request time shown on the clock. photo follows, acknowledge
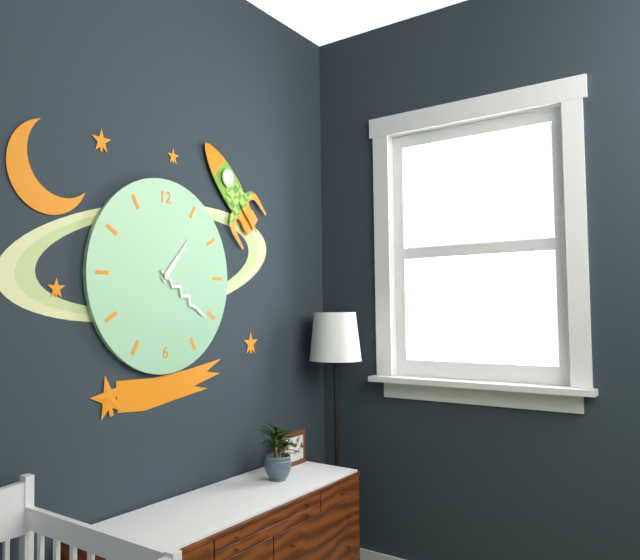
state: 1:21
